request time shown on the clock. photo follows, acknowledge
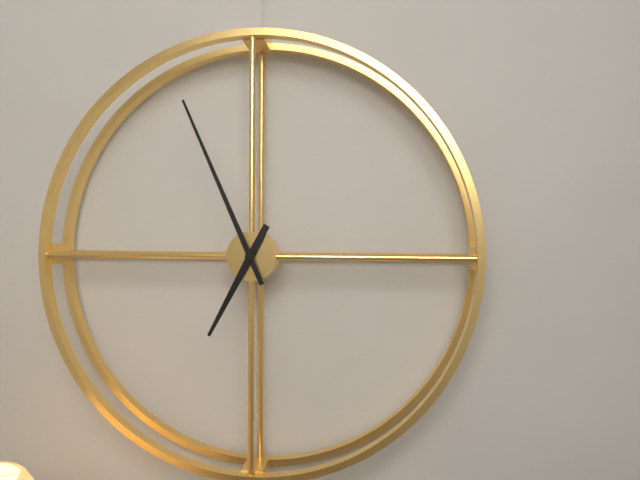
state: 6:56
